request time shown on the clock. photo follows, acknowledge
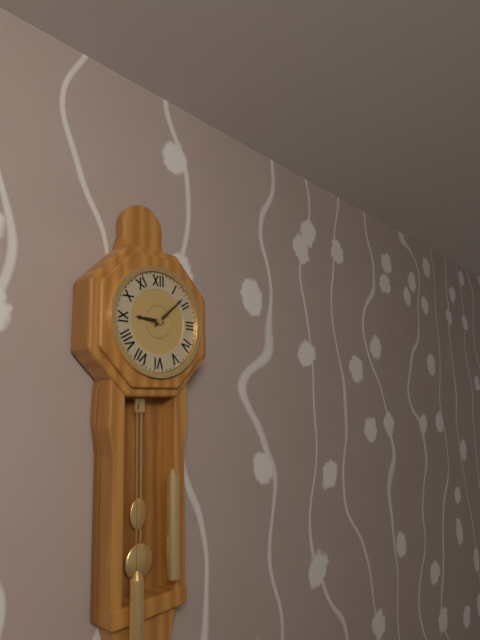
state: 9:08
